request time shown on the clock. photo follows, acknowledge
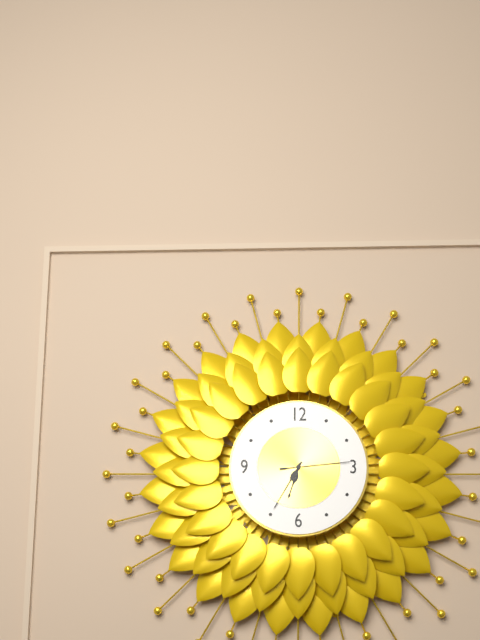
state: 6:35:14
